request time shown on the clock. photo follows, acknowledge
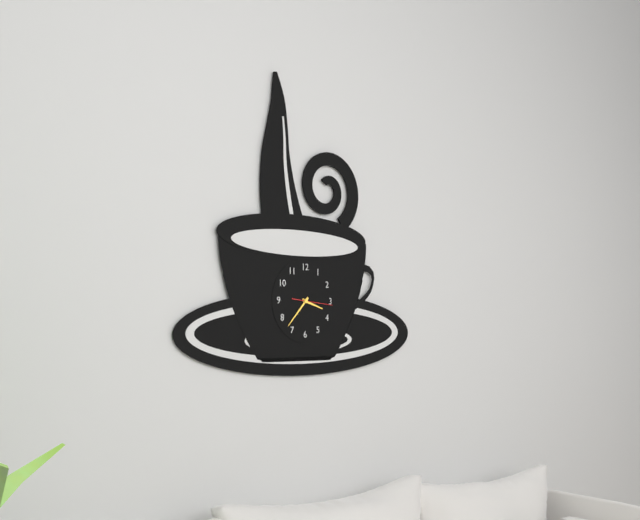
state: 3:37
